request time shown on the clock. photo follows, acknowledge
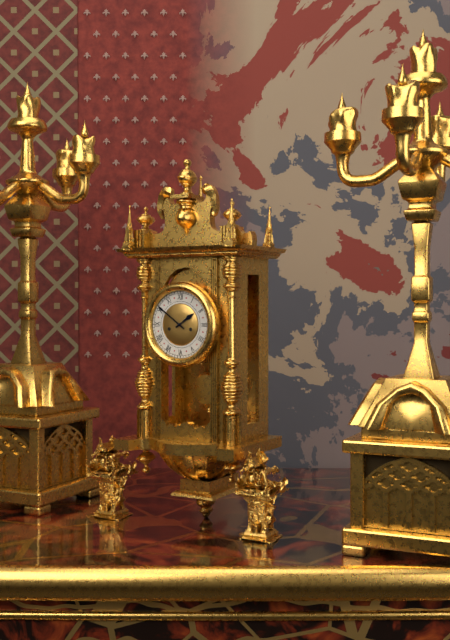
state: 1:51
